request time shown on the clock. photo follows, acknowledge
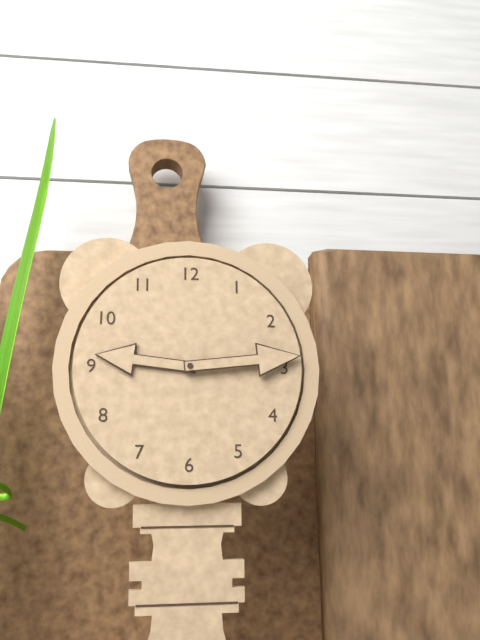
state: 9:14
